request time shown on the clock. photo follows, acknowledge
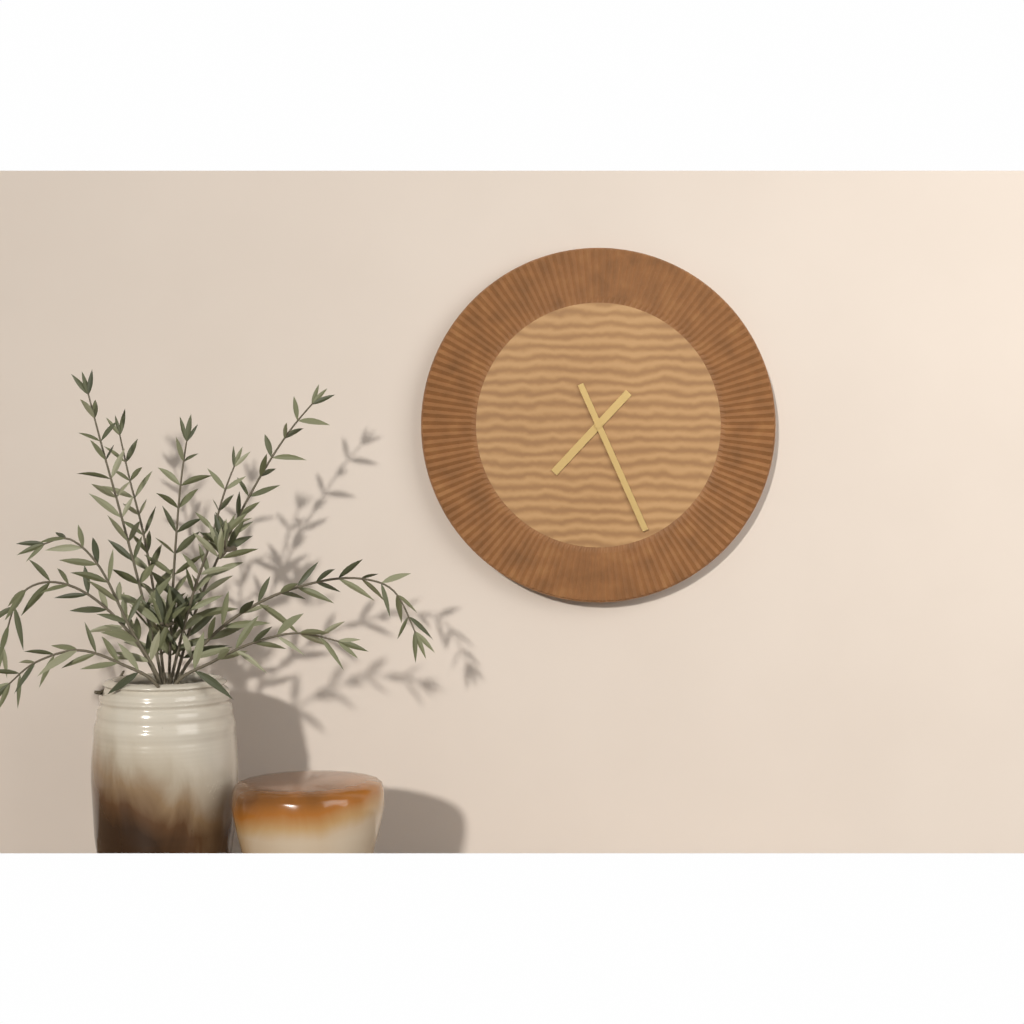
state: 7:26
